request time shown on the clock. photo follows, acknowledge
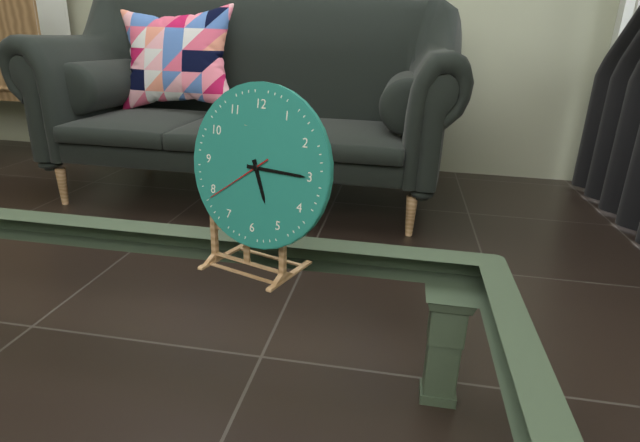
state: 5:15:39
